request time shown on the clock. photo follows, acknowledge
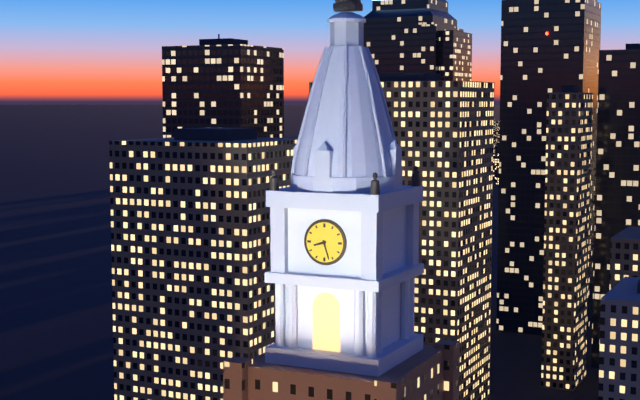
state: 8:27
